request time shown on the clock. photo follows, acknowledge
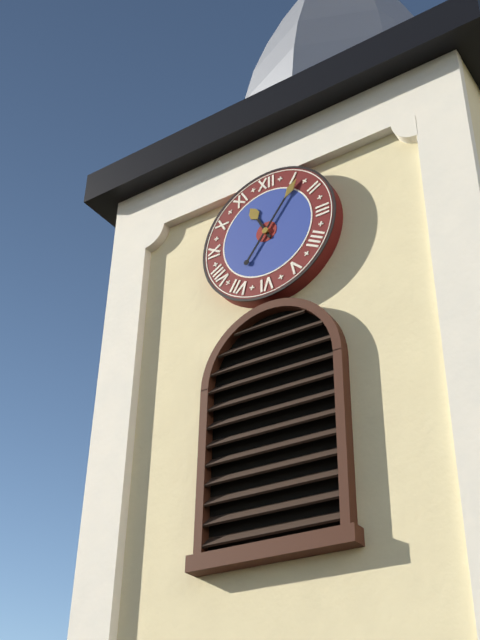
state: 11:06
